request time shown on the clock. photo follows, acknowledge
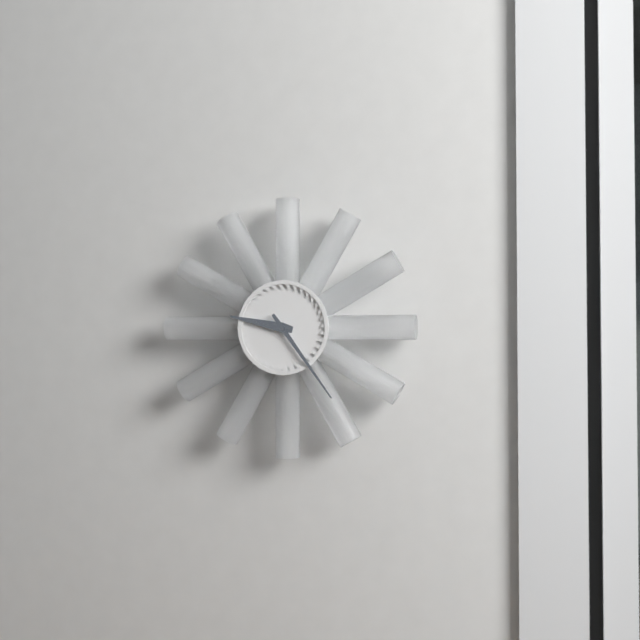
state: 9:24
